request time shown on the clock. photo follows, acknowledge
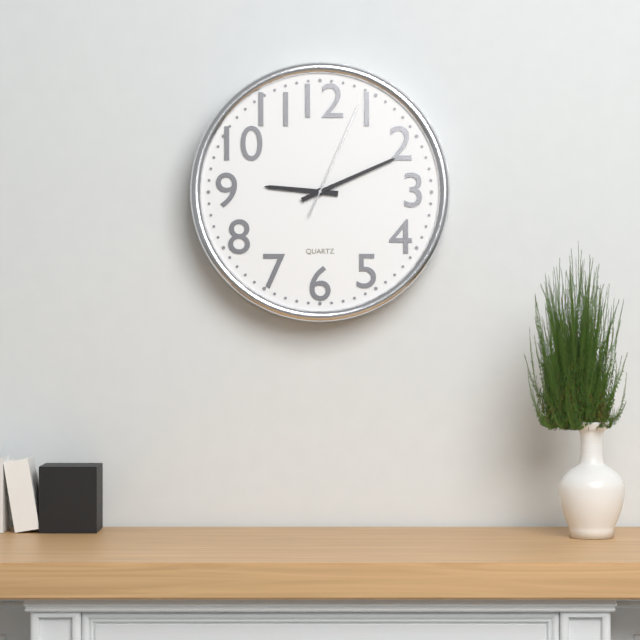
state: 9:11:04
